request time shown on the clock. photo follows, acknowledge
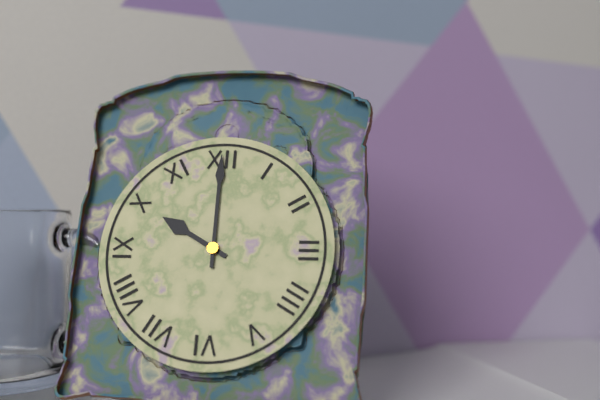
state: 10:00
